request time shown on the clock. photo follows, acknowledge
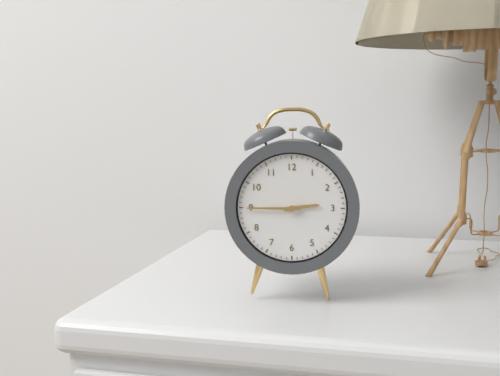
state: 2:45
